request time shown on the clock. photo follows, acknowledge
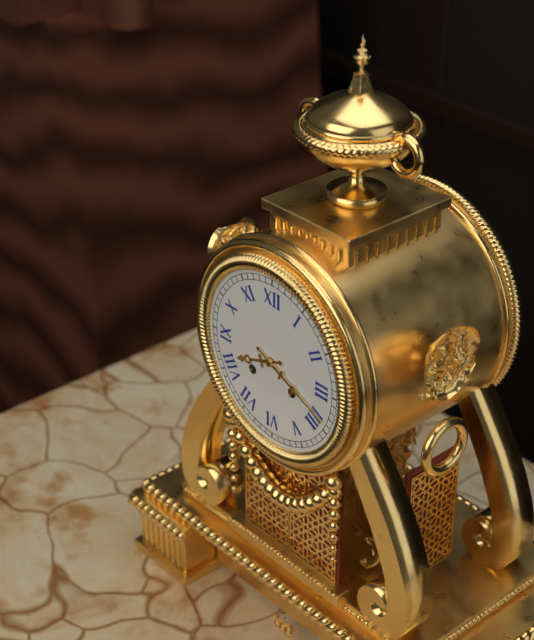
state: 8:19
